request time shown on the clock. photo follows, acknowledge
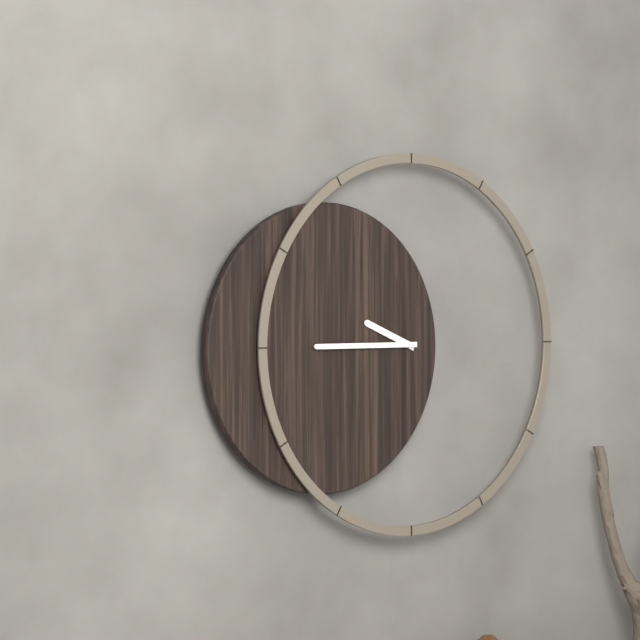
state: 9:45
